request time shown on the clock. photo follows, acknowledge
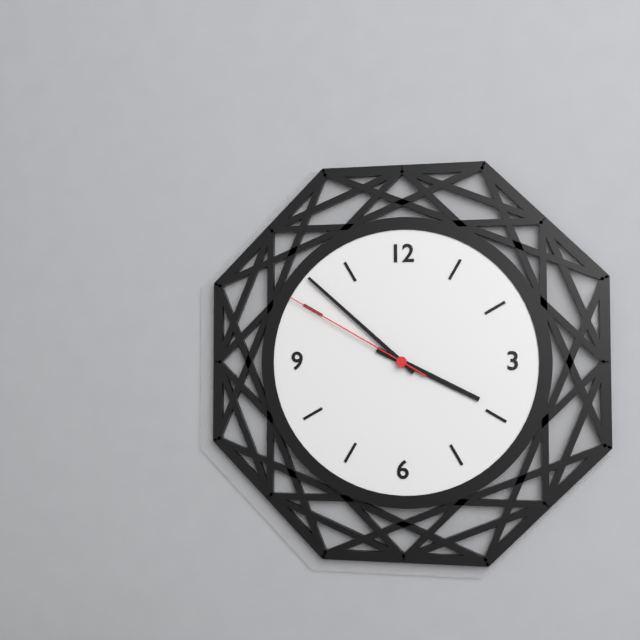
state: 3:52:50
